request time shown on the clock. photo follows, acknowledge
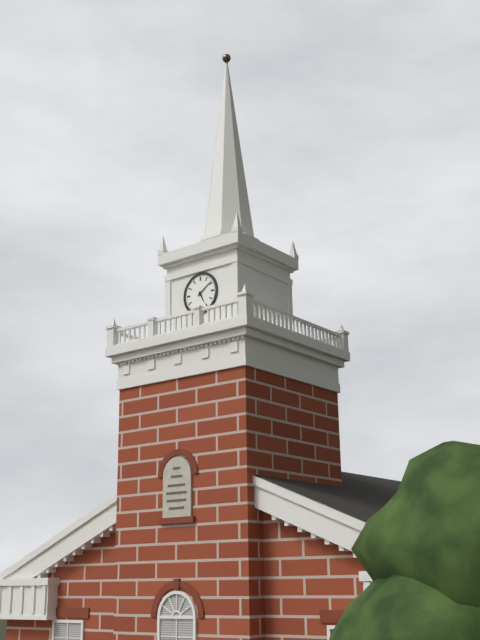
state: 5:09
